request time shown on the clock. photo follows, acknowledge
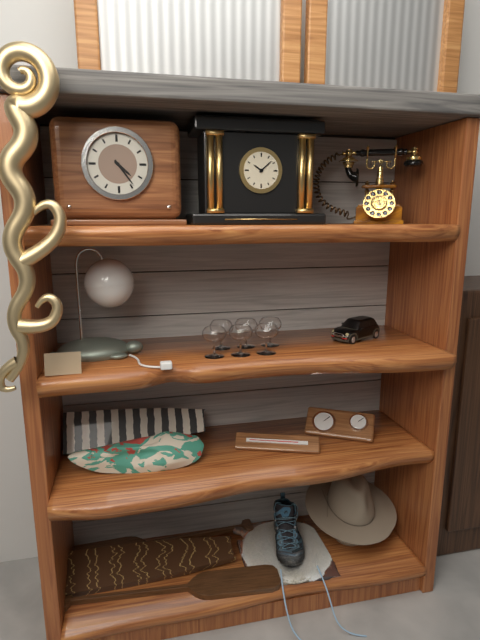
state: 4:24
